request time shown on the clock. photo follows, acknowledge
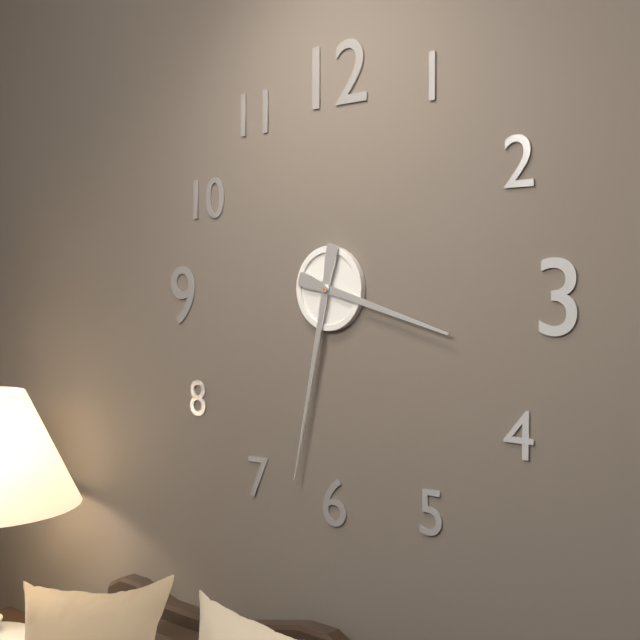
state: 3:32
